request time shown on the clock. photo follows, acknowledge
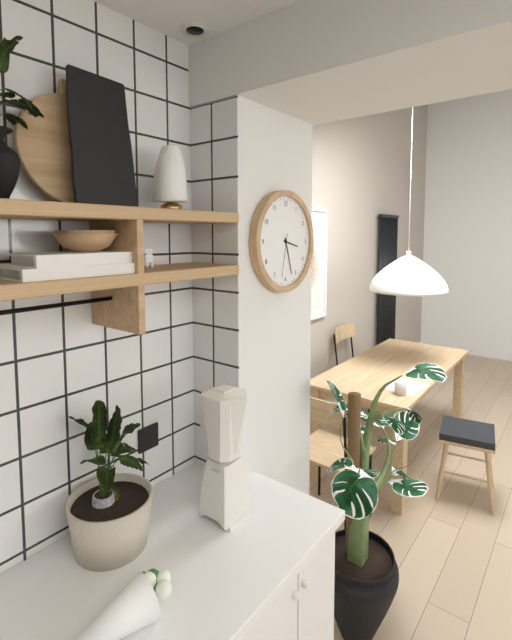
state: 3:27
